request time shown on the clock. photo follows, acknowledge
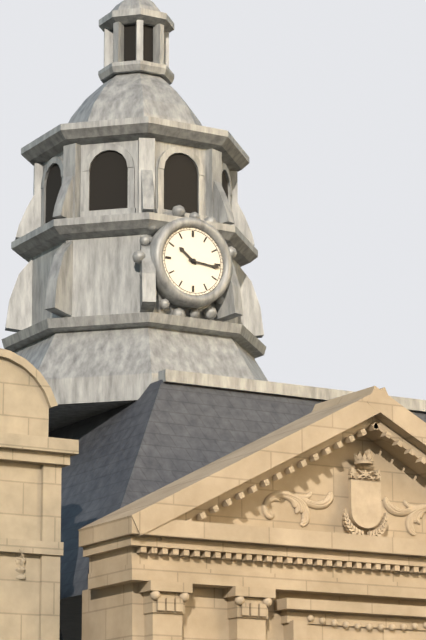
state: 10:16
